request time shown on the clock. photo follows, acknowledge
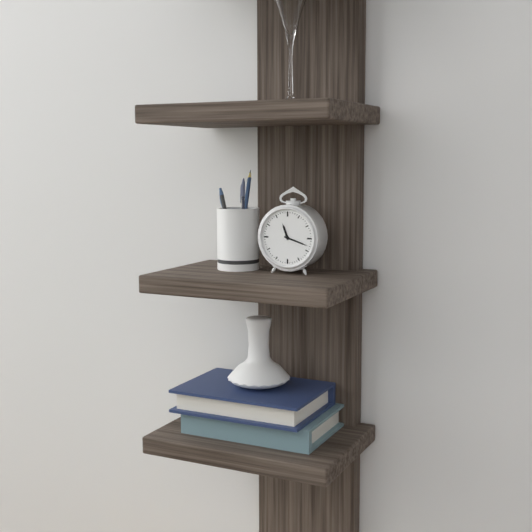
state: 11:18
